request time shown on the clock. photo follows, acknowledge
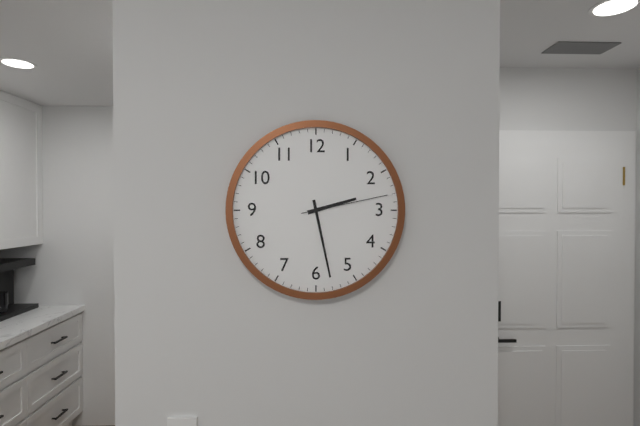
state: 2:28:13
